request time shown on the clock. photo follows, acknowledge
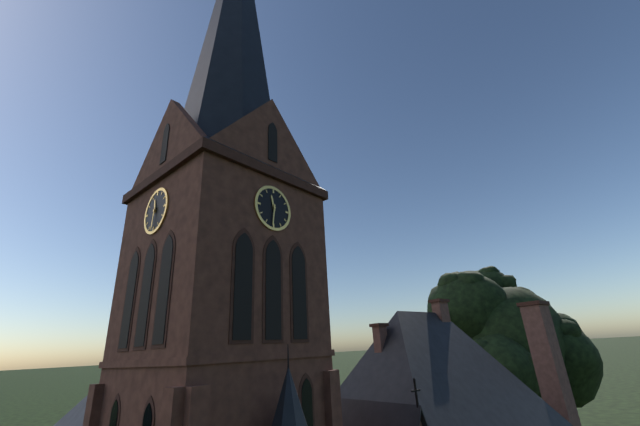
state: 11:31
